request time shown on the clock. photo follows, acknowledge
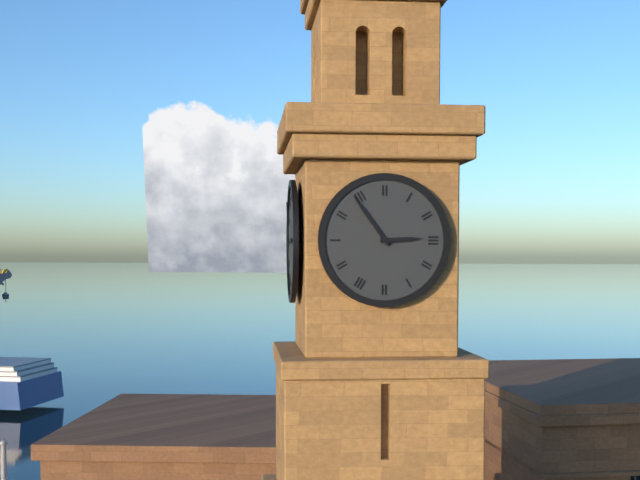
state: 2:54
